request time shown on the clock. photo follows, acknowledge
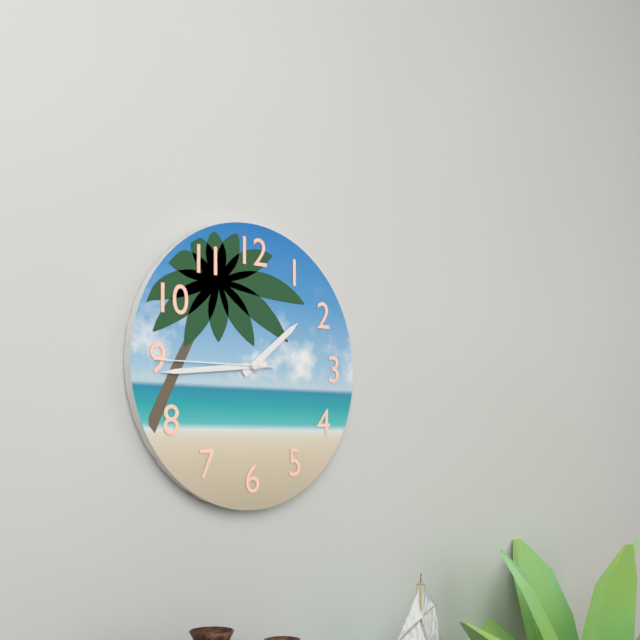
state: 1:44:45
